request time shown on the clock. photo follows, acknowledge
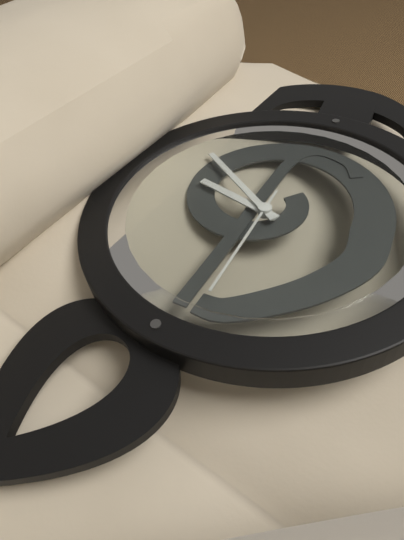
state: 3:20:59
